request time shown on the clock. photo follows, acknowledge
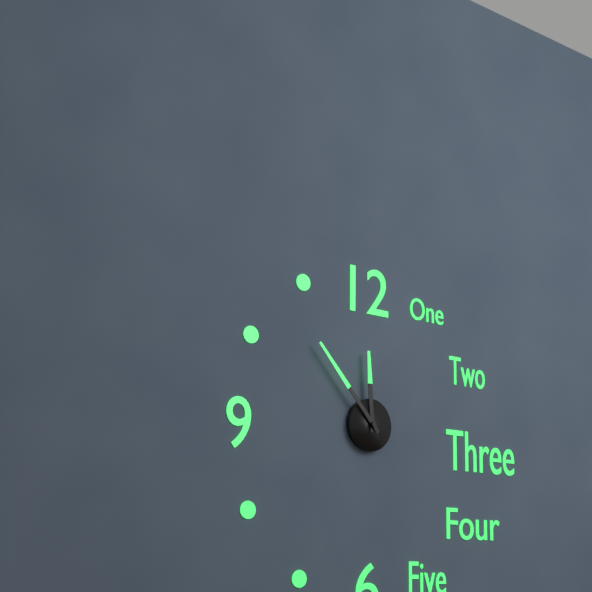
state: 11:53
